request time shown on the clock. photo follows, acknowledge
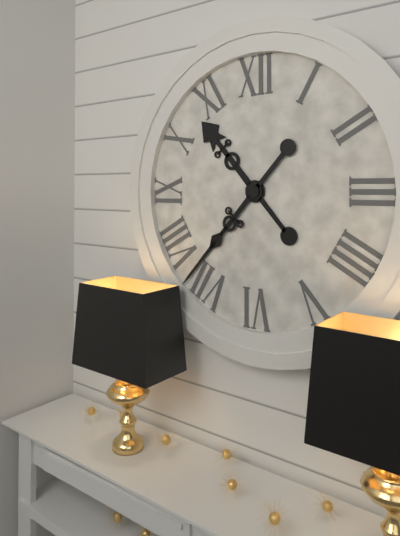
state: 10:37
